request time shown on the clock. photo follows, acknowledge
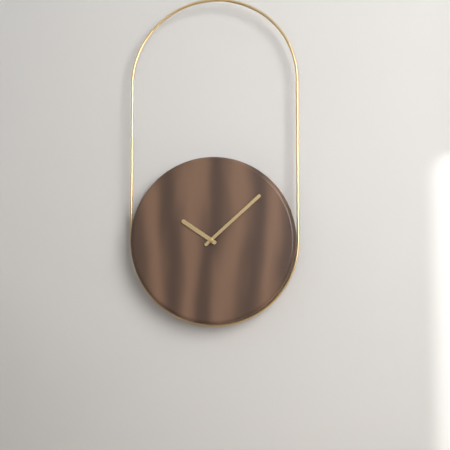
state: 10:08
